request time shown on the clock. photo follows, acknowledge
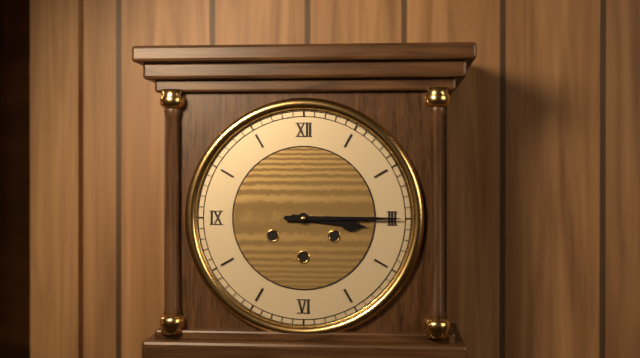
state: 3:15
